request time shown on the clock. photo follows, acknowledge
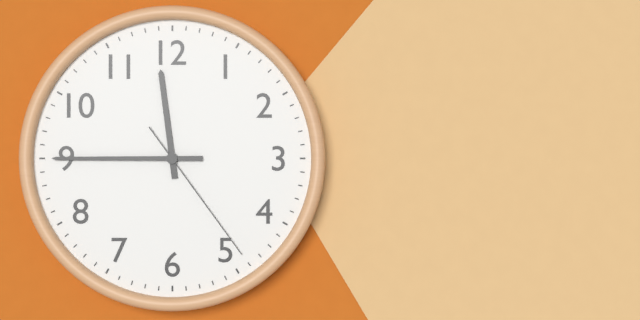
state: 11:45:24
